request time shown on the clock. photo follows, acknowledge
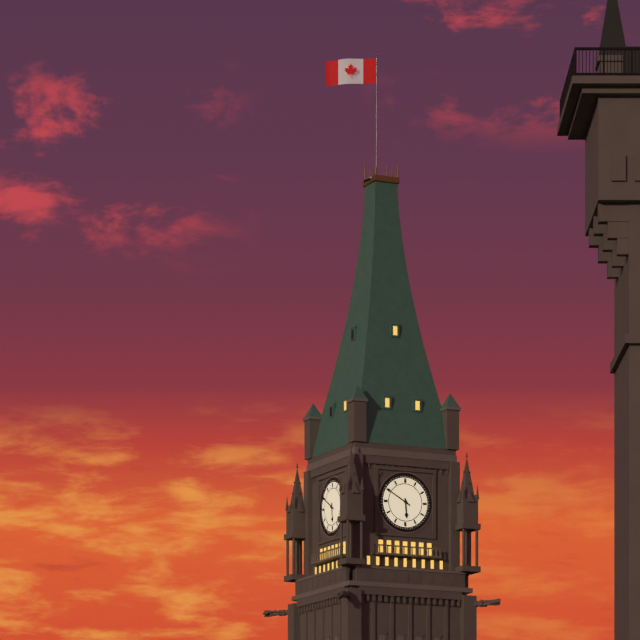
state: 5:50
